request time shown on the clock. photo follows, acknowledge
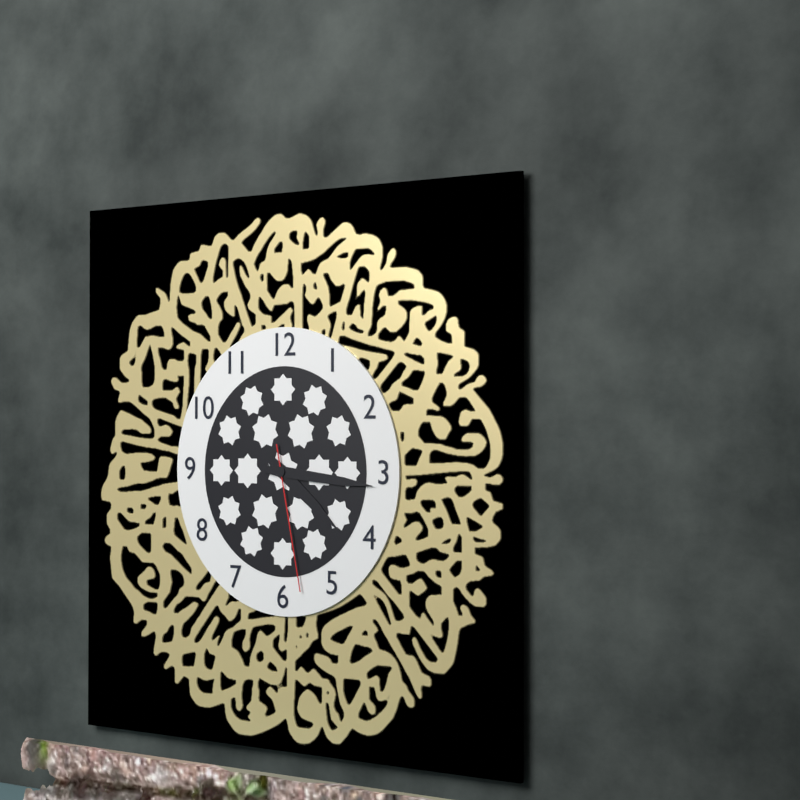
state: 4:16:28
